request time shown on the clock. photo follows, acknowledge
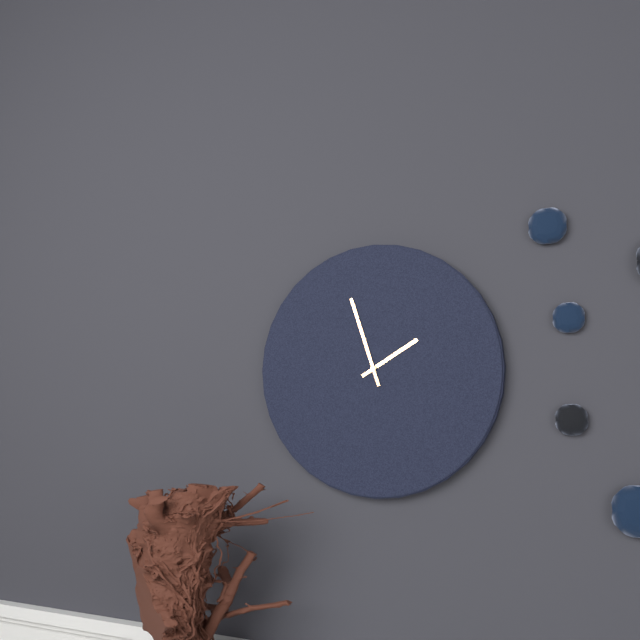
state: 1:57
